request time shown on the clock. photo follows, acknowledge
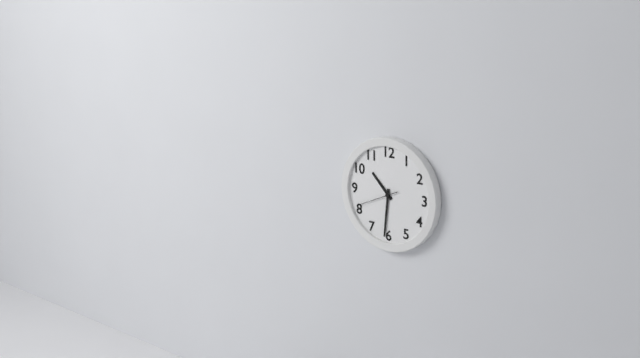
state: 10:31
